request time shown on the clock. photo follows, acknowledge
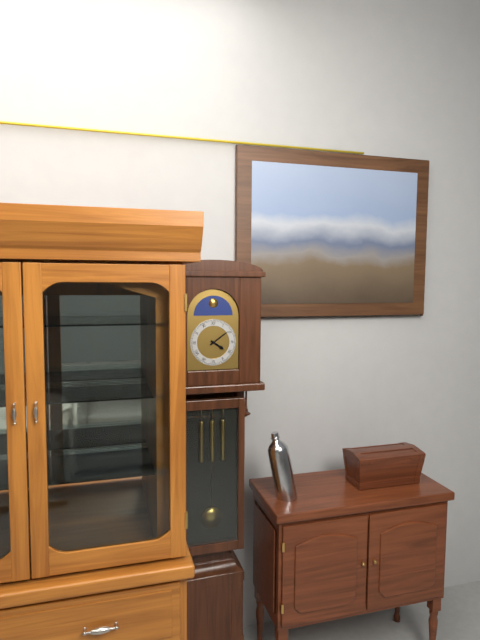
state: 4:09
